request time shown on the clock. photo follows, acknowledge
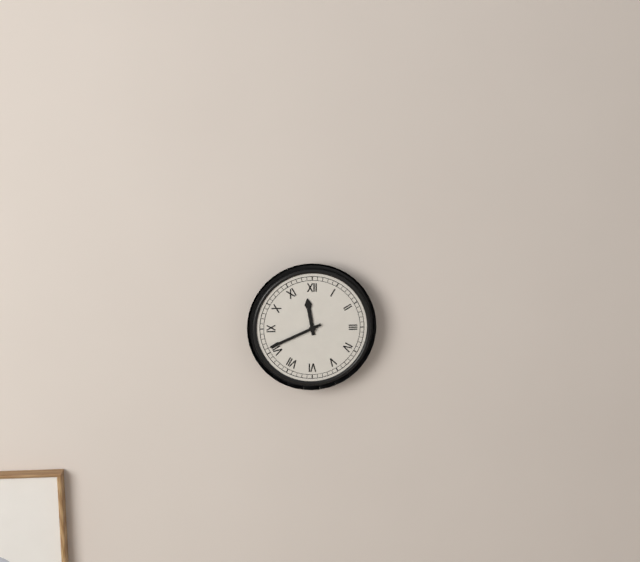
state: 11:41
